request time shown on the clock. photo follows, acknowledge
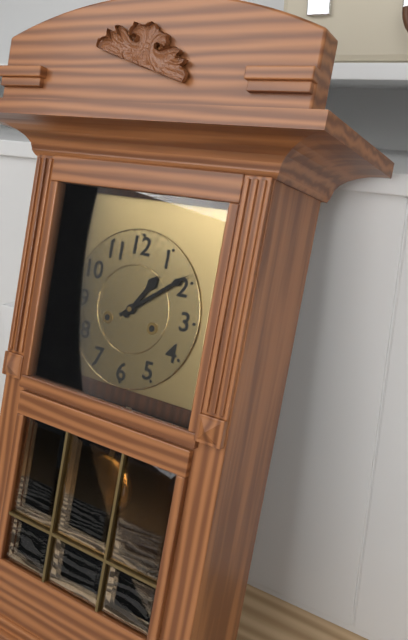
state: 1:09
